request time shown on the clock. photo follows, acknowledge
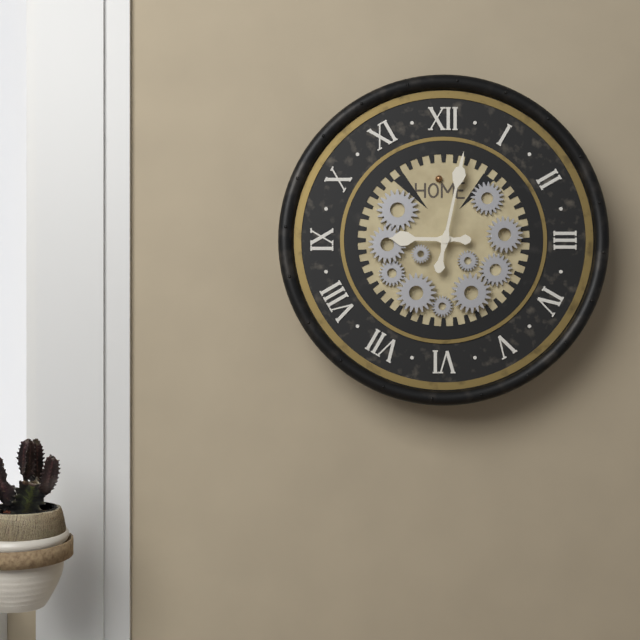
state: 9:02
